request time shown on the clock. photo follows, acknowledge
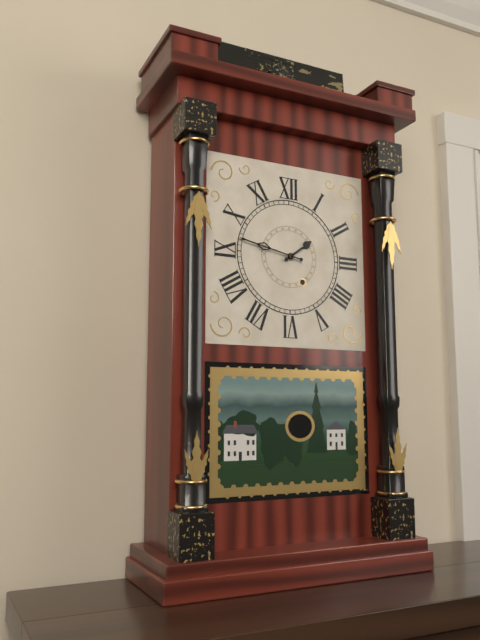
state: 1:47
